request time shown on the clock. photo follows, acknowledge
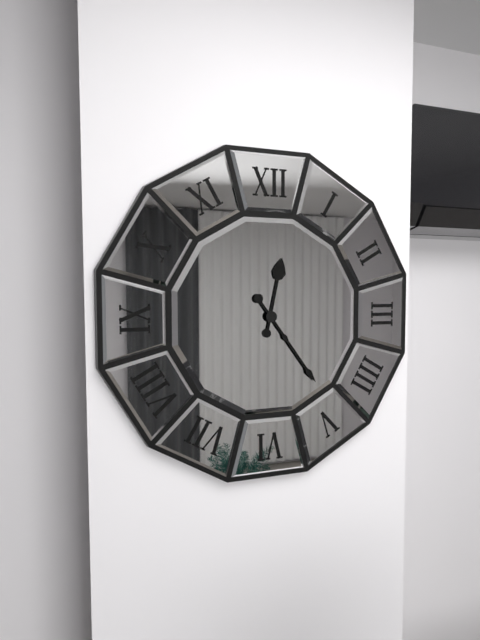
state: 12:24
